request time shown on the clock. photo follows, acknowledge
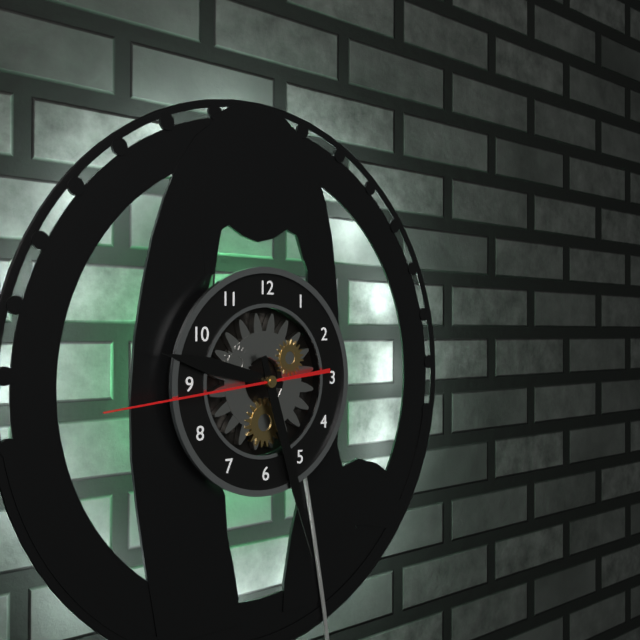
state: 9:27:44
